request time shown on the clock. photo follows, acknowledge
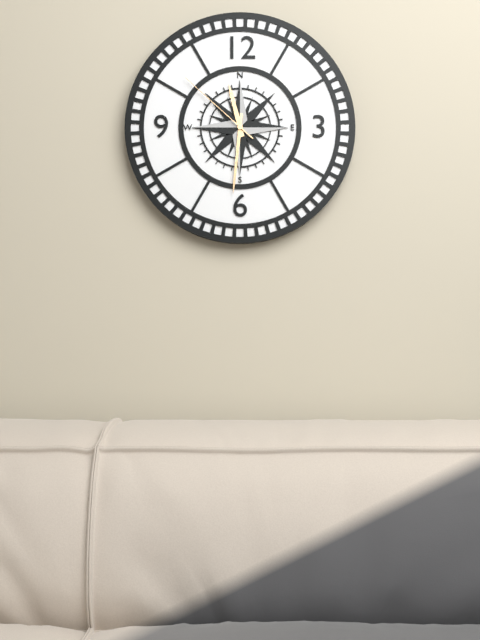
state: 11:31:52
